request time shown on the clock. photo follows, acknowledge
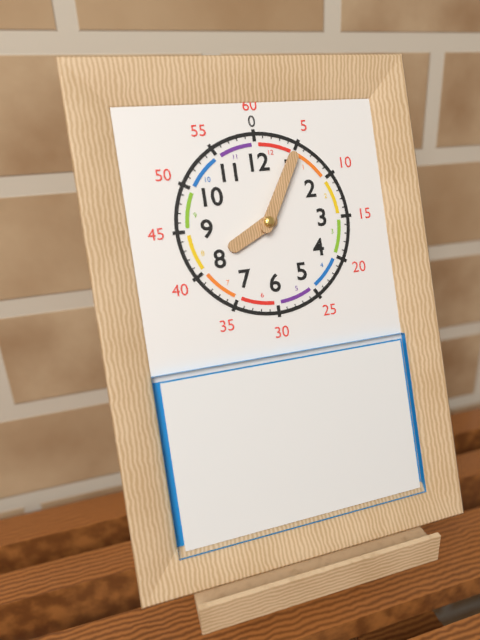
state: 8:05
